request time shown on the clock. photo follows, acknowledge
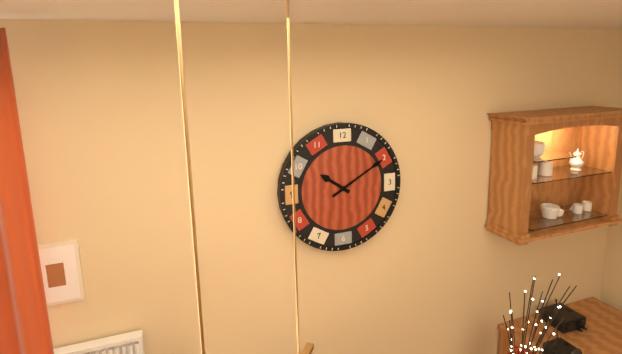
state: 10:10
